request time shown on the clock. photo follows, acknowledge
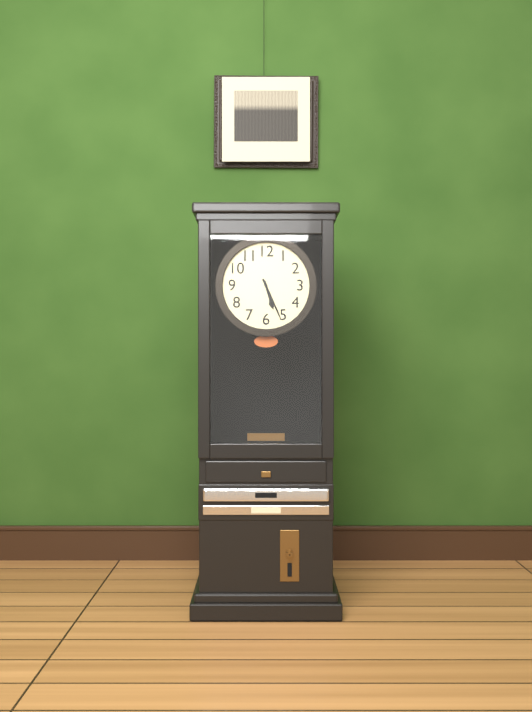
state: 5:26
